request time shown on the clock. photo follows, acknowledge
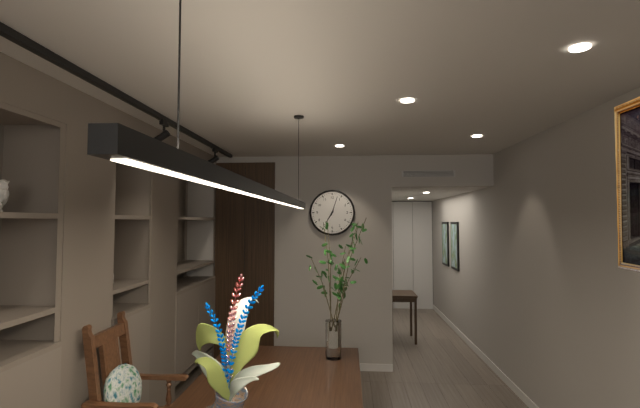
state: 7:03
